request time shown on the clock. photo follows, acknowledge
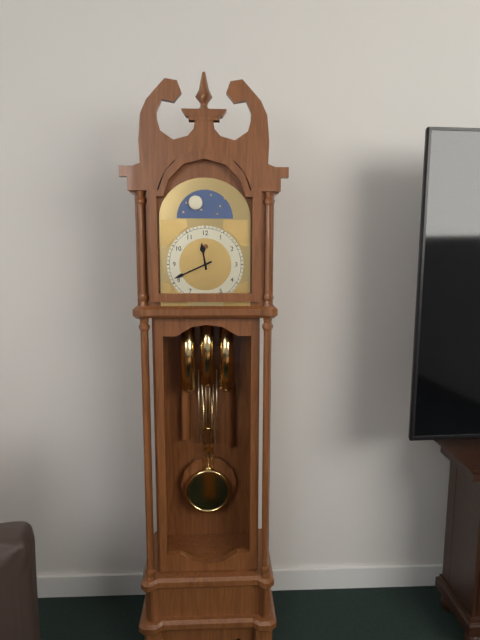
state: 11:41
